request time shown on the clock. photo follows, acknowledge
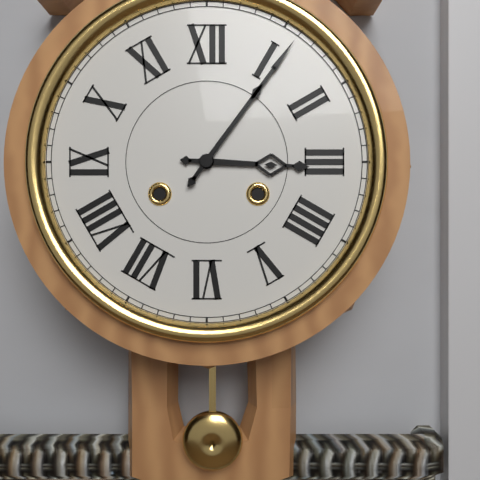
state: 3:06
